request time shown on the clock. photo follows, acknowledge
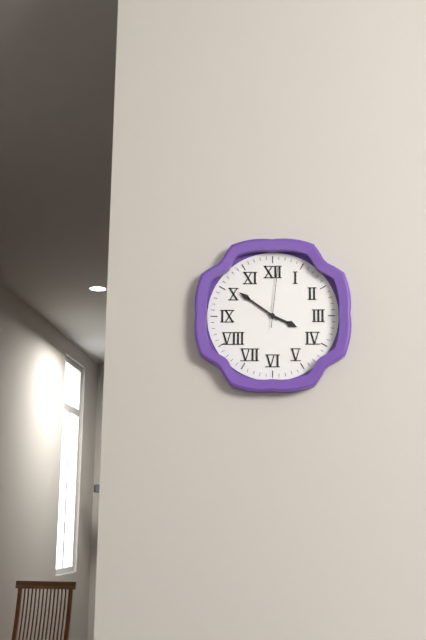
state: 3:51:01
